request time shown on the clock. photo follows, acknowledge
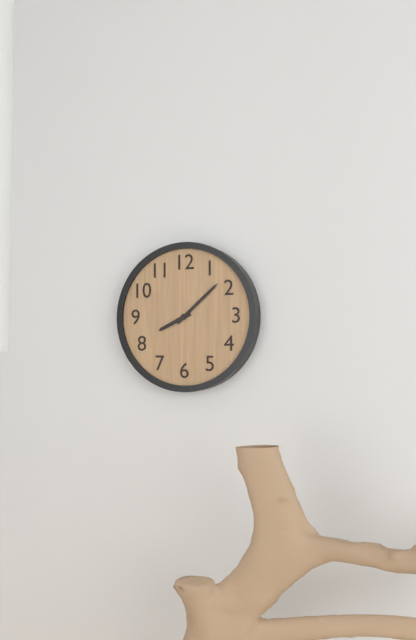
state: 8:08
